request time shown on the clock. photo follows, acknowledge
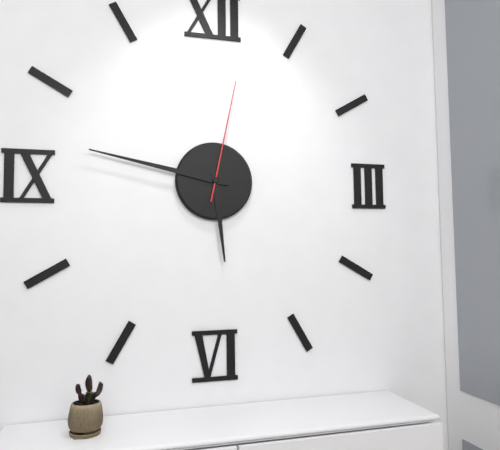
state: 5:47:02
